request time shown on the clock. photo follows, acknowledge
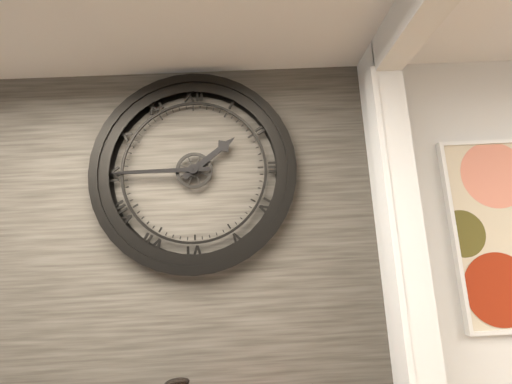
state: 1:45
